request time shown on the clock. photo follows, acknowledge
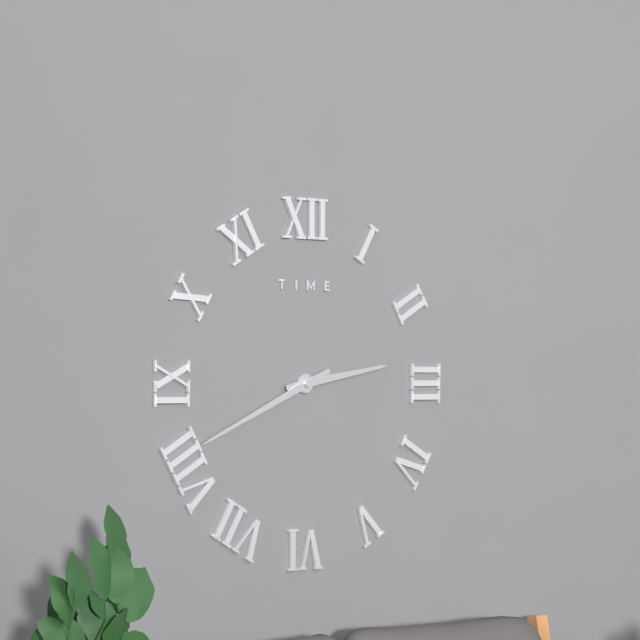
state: 2:41
